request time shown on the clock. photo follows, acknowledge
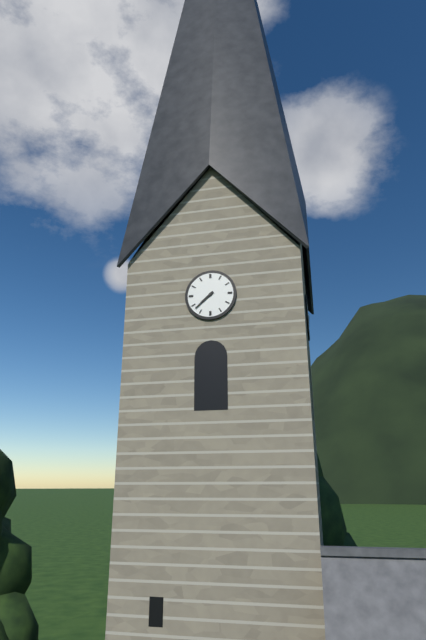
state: 7:38
